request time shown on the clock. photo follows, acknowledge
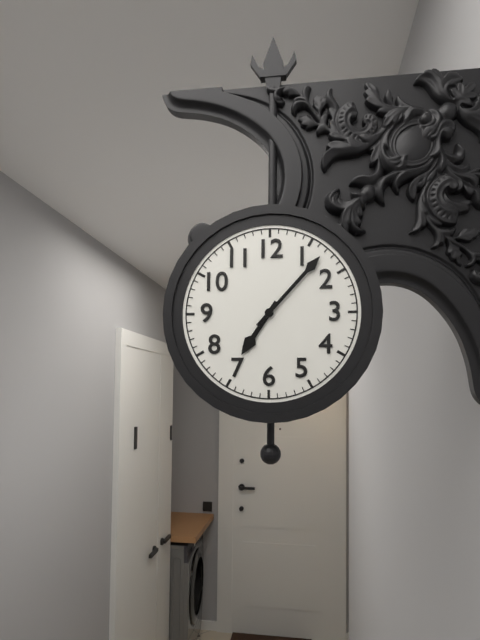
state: 7:07
